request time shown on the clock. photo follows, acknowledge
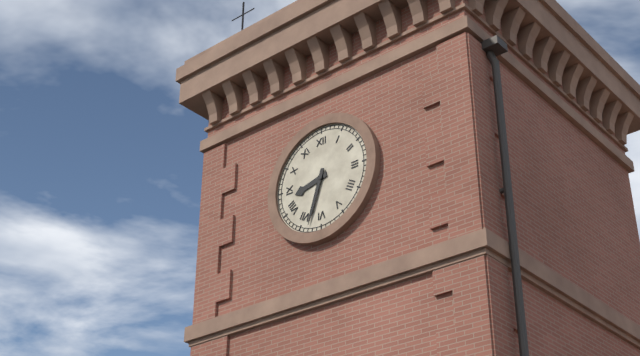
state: 8:33
